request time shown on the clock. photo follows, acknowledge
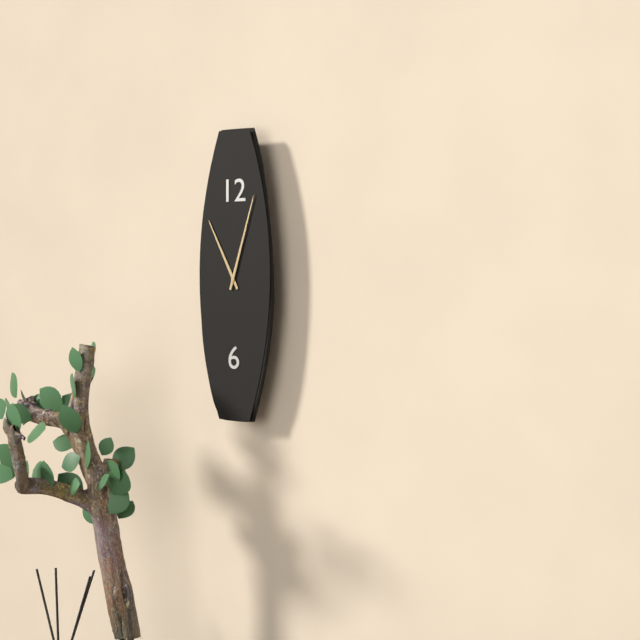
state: 11:03
